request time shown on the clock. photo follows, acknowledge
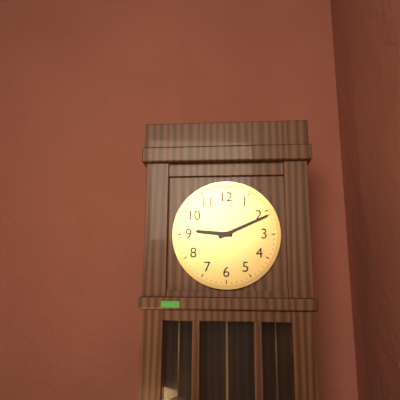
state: 9:11
